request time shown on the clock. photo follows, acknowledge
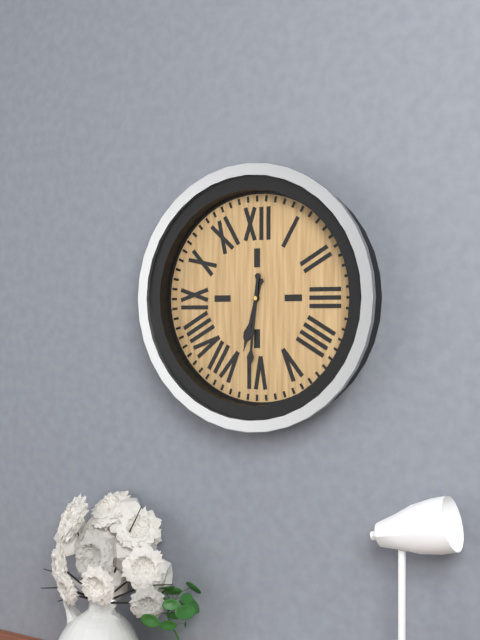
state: 6:31
